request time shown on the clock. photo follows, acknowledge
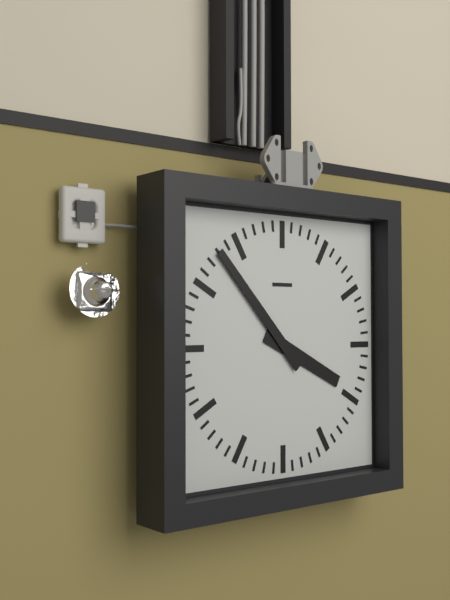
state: 3:53
